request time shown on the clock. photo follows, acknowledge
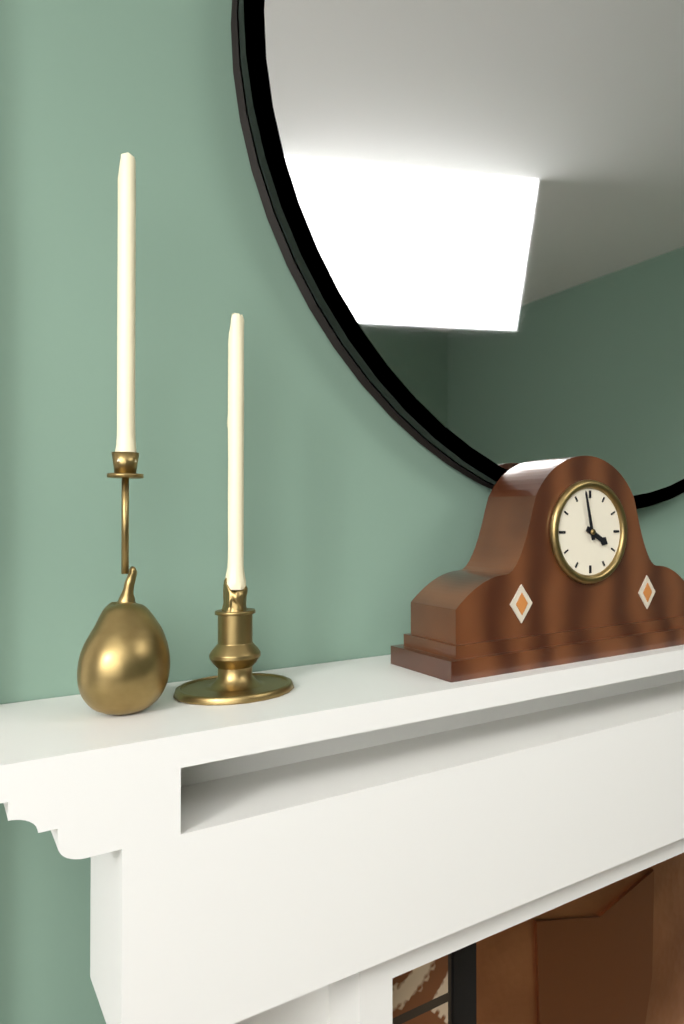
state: 3:58
